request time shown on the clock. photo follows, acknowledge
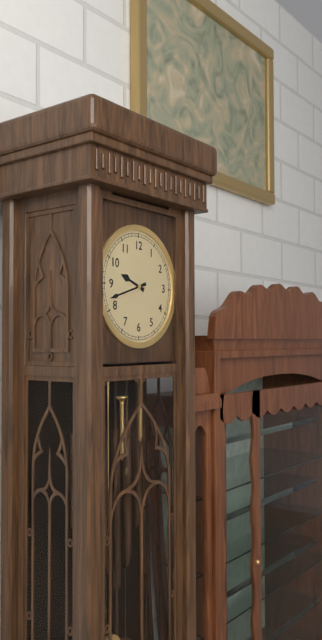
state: 9:42
